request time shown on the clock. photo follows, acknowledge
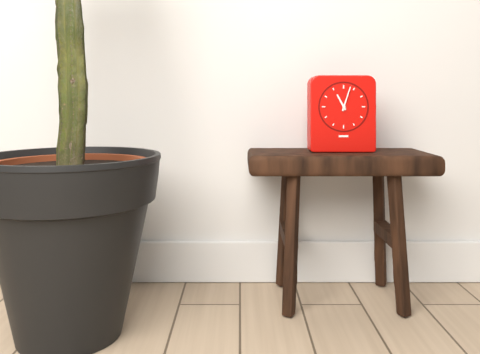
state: 11:03
